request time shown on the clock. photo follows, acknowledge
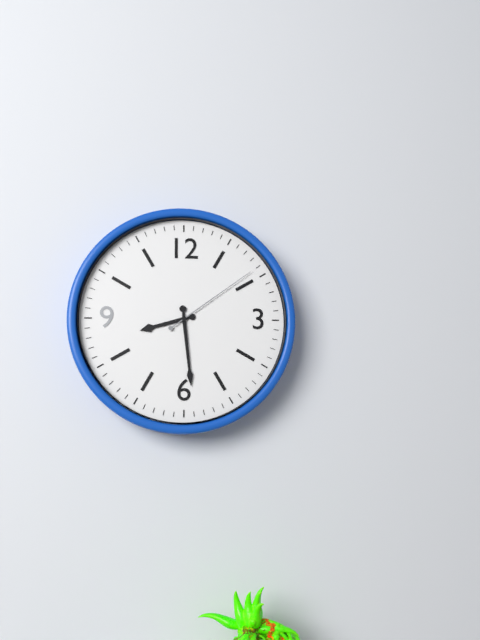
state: 8:29:09
